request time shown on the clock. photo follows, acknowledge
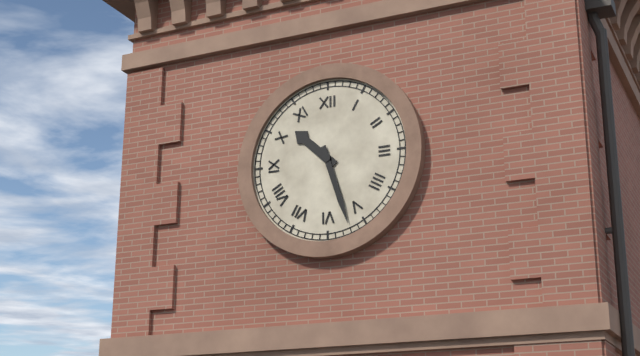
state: 10:27
